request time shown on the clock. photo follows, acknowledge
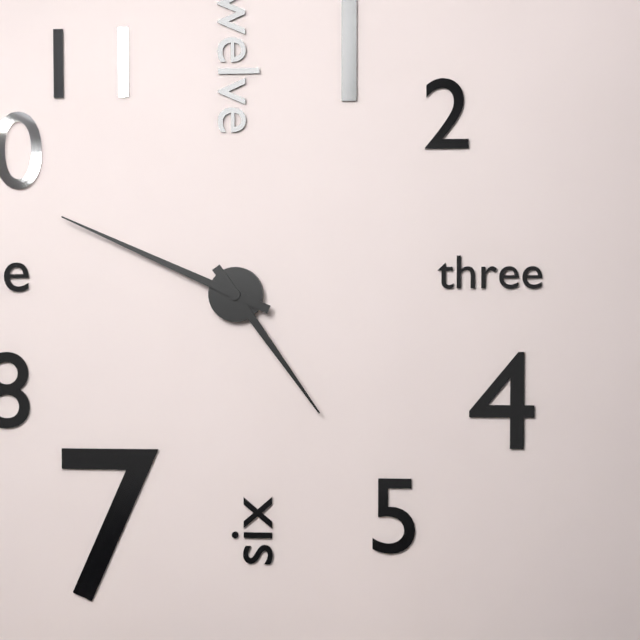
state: 4:49
